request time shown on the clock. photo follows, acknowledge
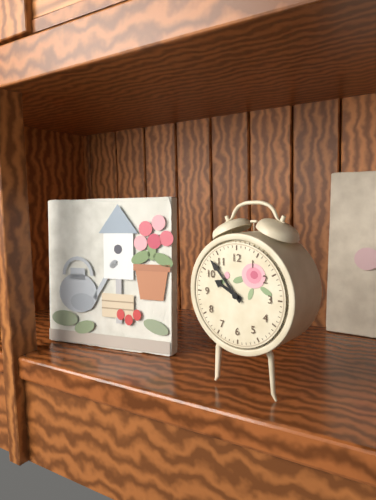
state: 9:53
